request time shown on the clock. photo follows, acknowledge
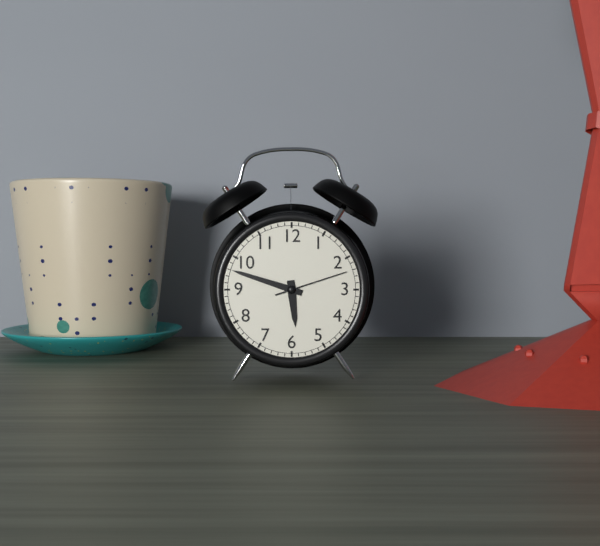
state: 5:48:12
